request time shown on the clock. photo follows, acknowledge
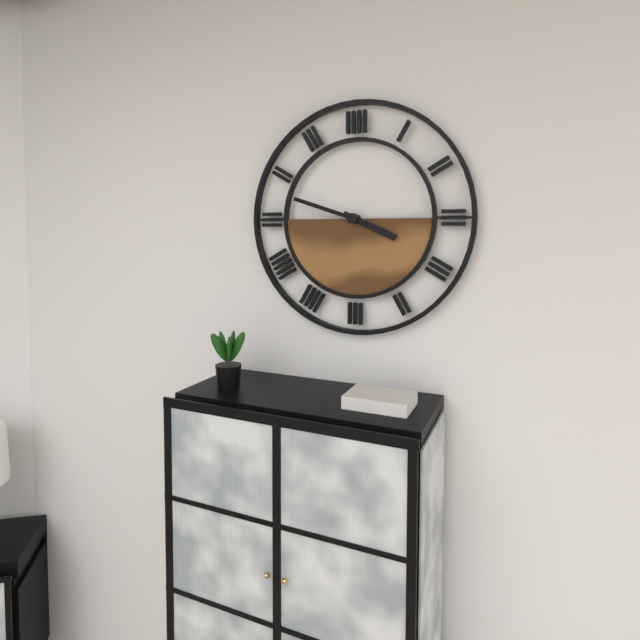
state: 3:48
